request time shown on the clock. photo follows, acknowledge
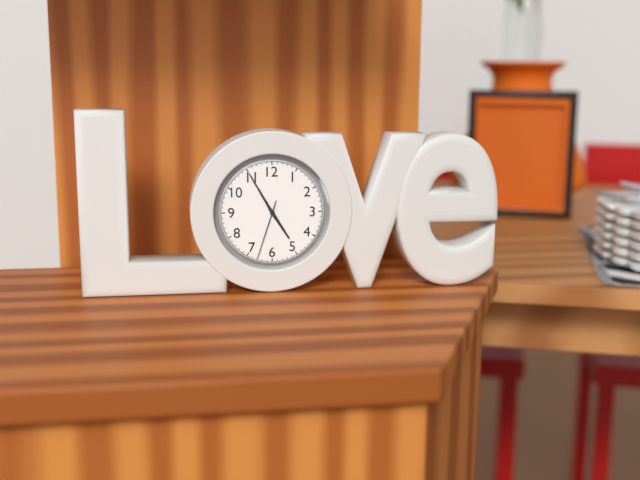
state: 4:55:33
